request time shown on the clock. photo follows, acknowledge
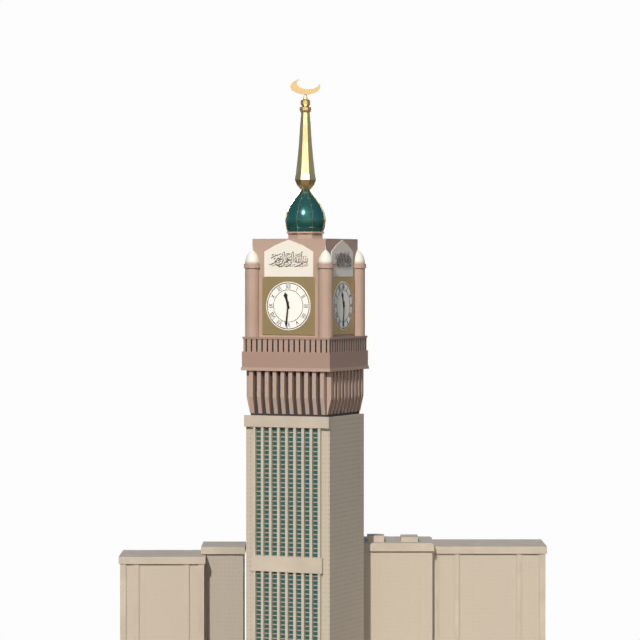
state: 11:31
